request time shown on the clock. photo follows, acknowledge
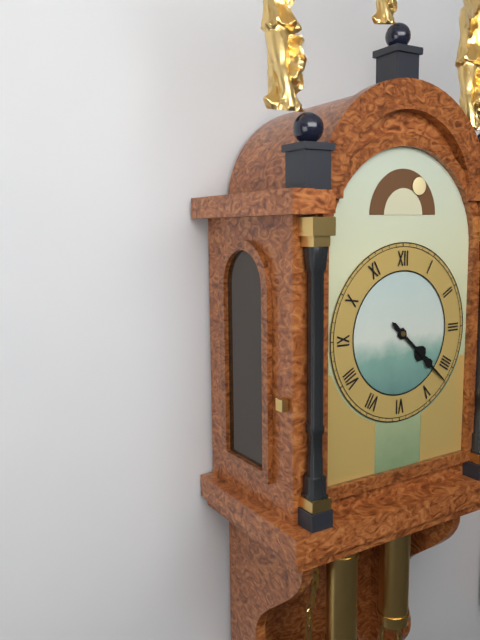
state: 4:22
